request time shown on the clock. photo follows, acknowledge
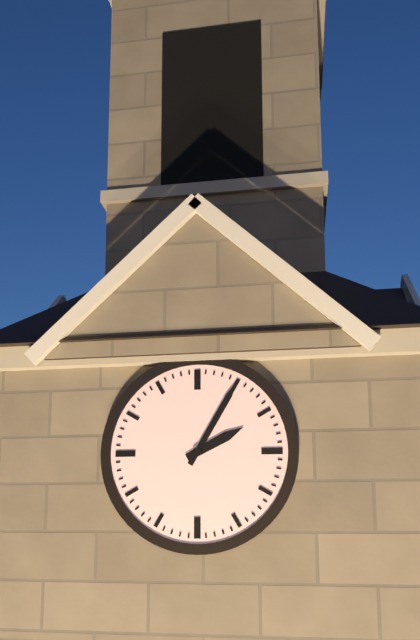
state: 2:05
